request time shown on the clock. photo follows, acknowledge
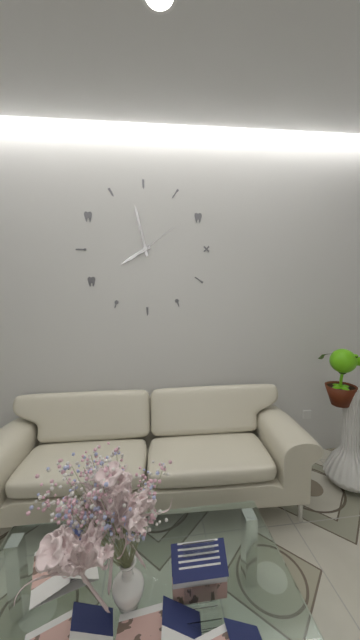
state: 7:58
